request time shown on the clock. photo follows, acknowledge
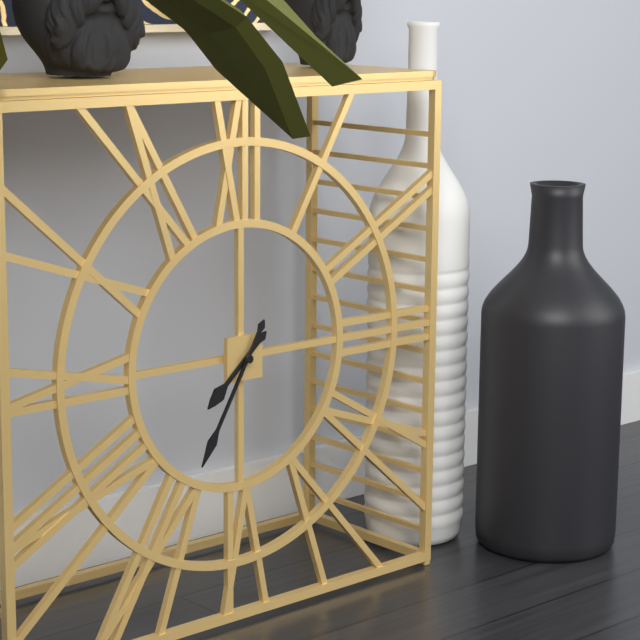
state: 7:35
